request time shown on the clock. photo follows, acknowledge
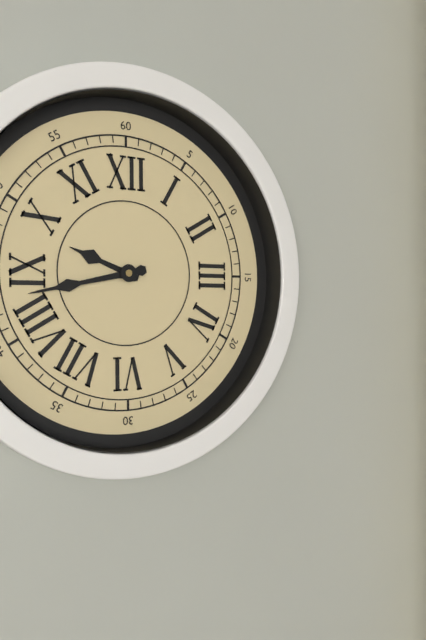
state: 9:43
